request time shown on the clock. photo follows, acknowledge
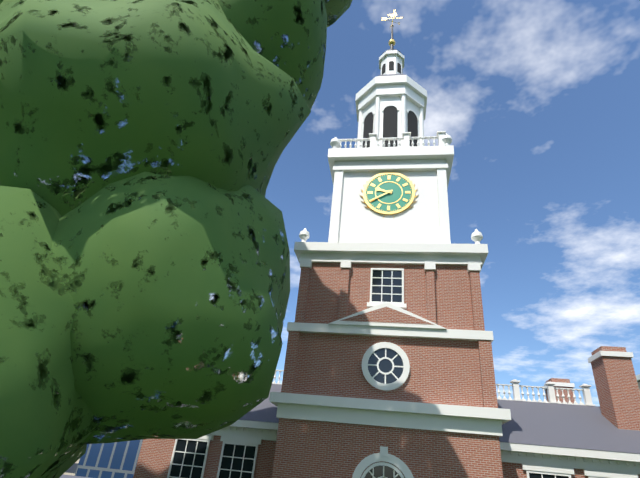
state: 9:40
